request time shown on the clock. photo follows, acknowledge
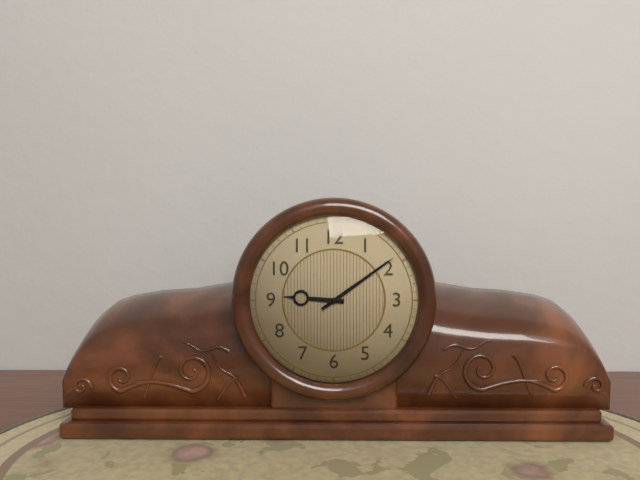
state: 9:09
